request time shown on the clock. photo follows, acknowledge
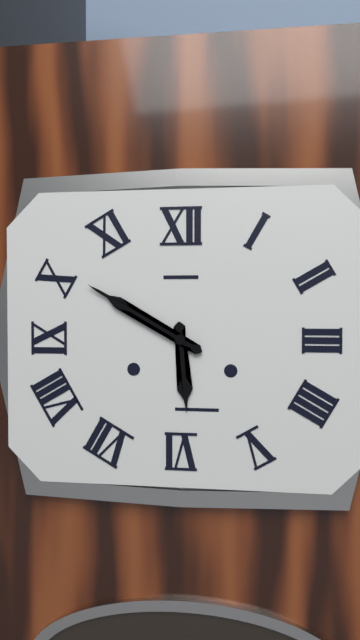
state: 5:50
